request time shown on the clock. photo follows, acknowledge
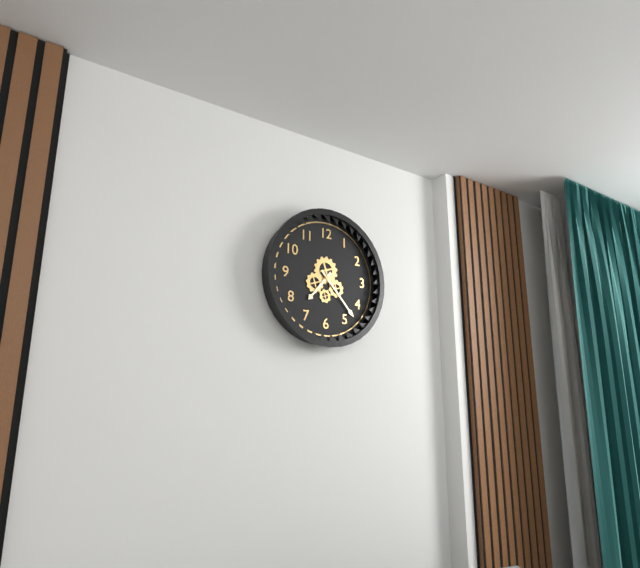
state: 7:23
